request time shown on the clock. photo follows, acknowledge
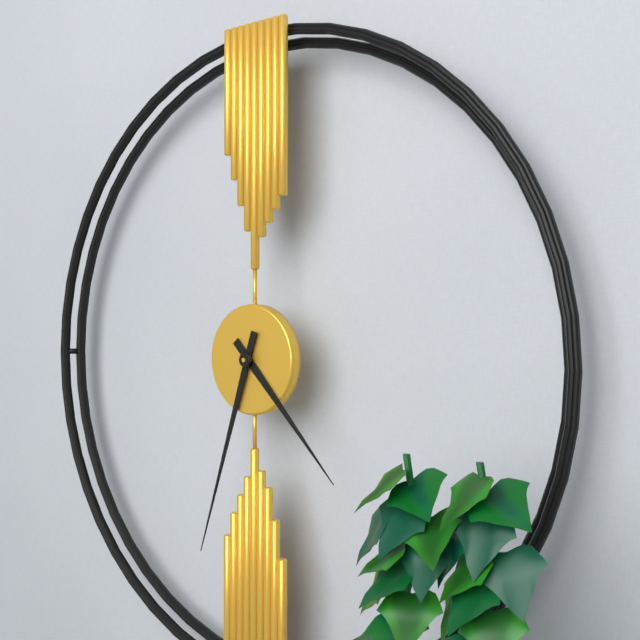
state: 4:33
